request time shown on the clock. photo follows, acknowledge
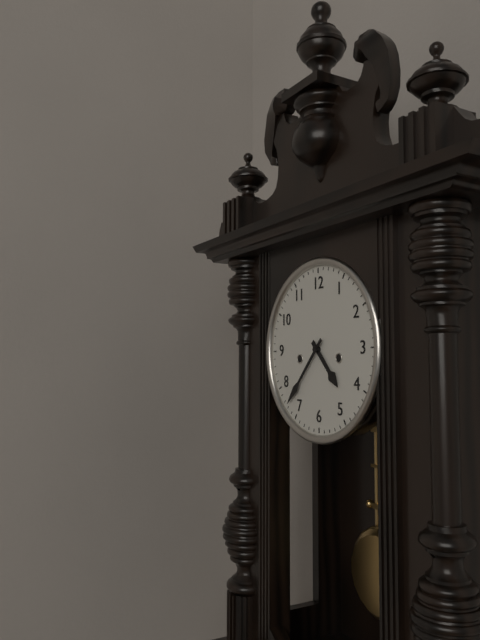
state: 4:37
